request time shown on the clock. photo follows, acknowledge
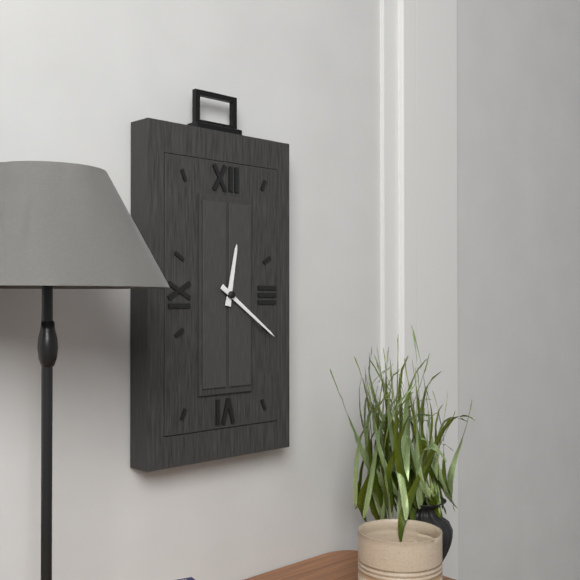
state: 12:21
